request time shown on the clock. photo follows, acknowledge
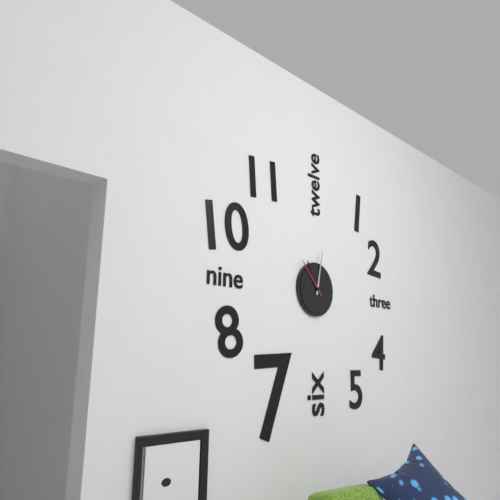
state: 11:02
